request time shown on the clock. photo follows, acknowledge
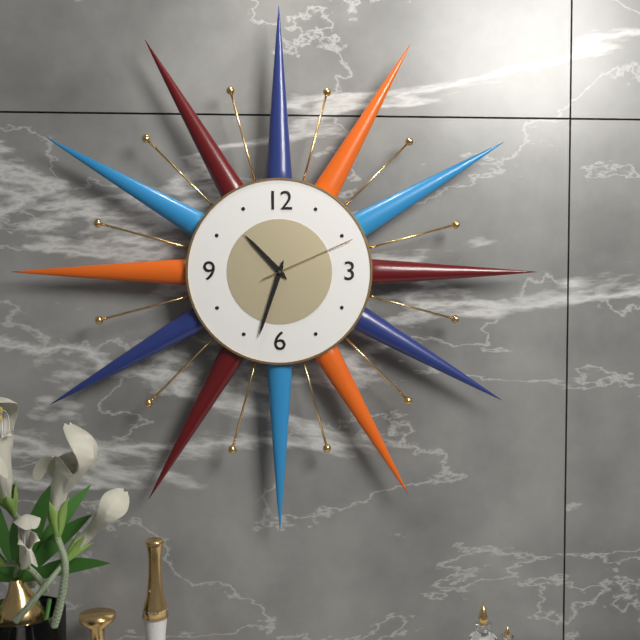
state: 10:33:11
